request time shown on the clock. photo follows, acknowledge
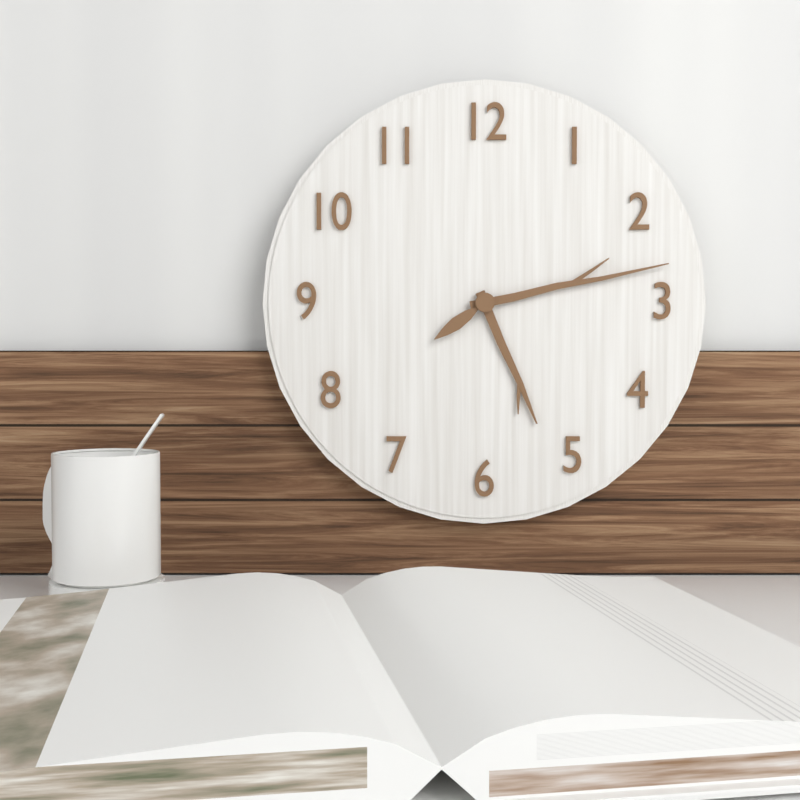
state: 5:13:39
